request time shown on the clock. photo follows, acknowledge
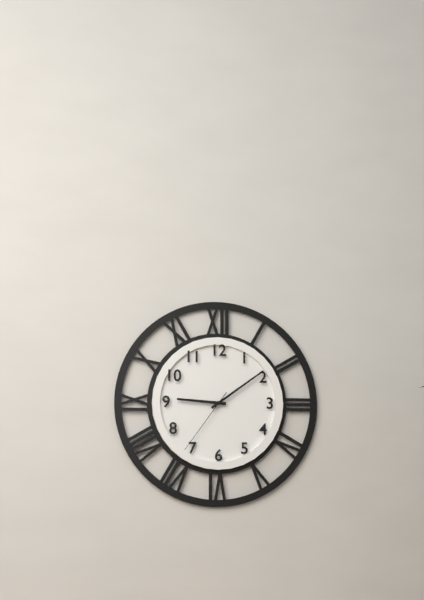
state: 9:09:36
